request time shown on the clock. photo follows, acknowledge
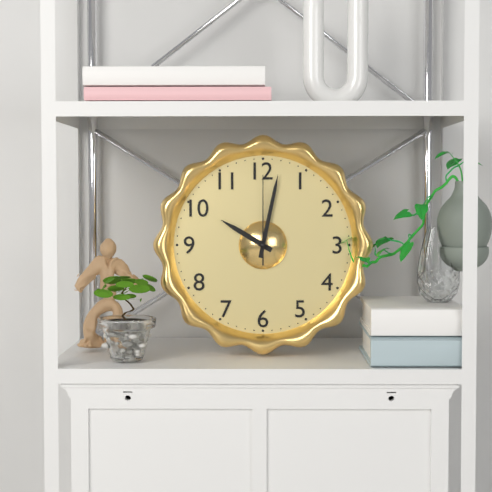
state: 10:02:00
